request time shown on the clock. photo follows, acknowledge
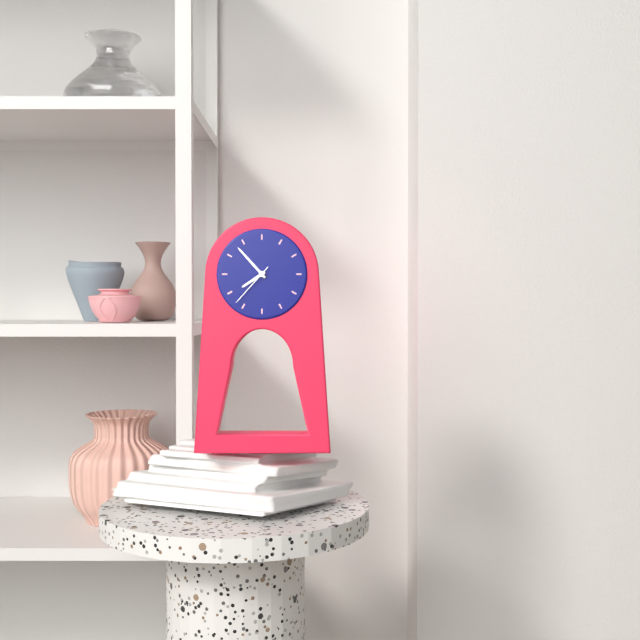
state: 7:53:37
